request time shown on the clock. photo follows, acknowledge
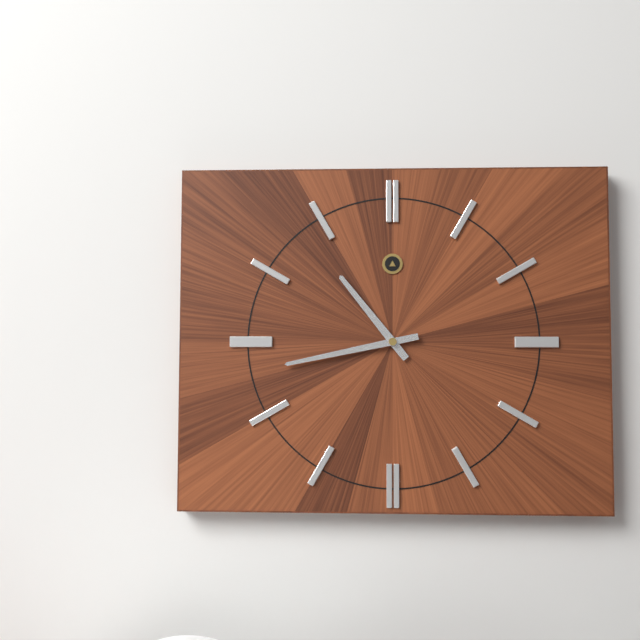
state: 10:43
